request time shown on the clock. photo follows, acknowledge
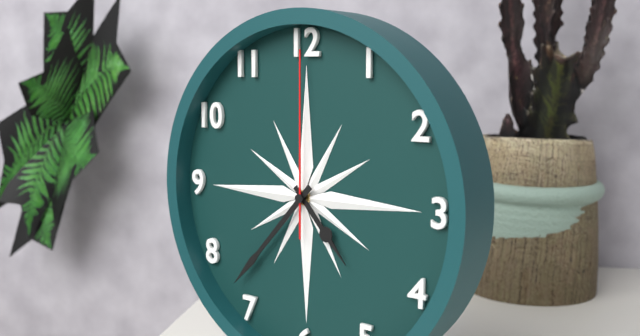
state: 4:37:00
